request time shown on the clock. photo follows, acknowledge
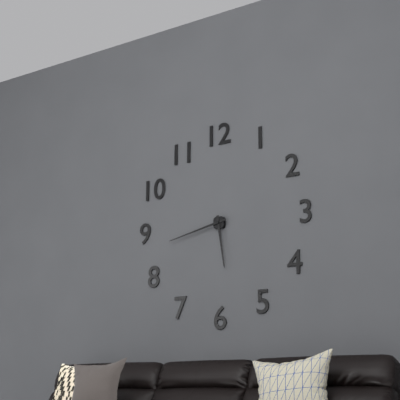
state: 5:43
